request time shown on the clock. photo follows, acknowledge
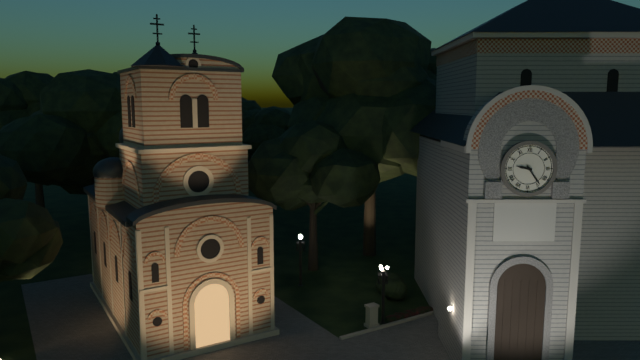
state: 9:24
